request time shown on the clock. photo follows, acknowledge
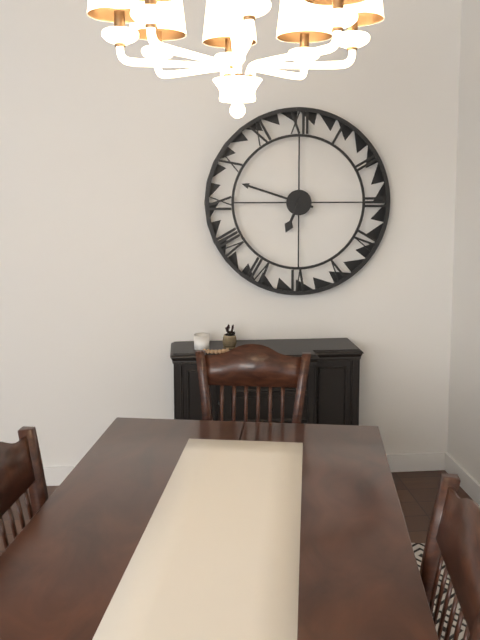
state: 6:48
